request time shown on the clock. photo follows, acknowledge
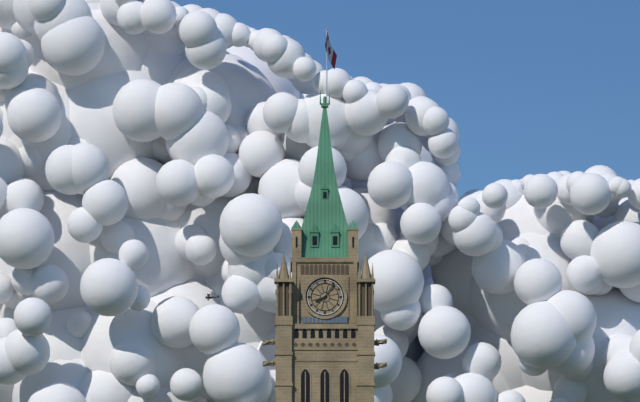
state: 8:06
